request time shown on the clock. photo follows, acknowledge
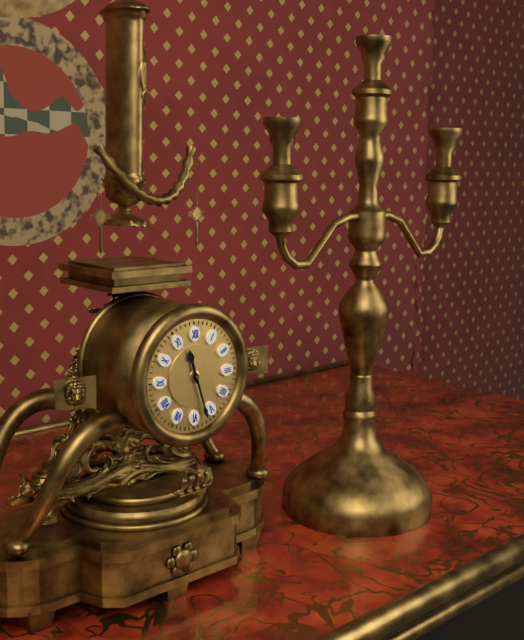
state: 11:27
